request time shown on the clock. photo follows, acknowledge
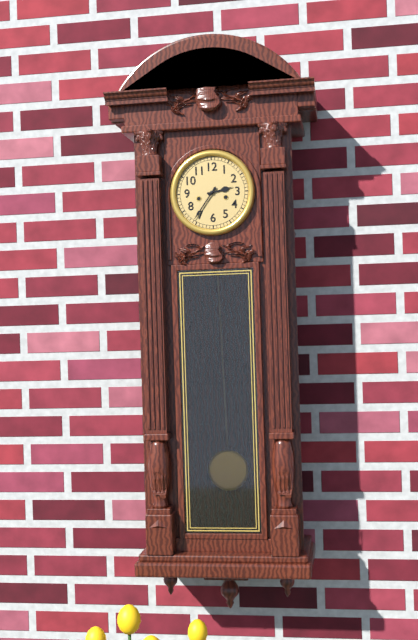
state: 2:36
